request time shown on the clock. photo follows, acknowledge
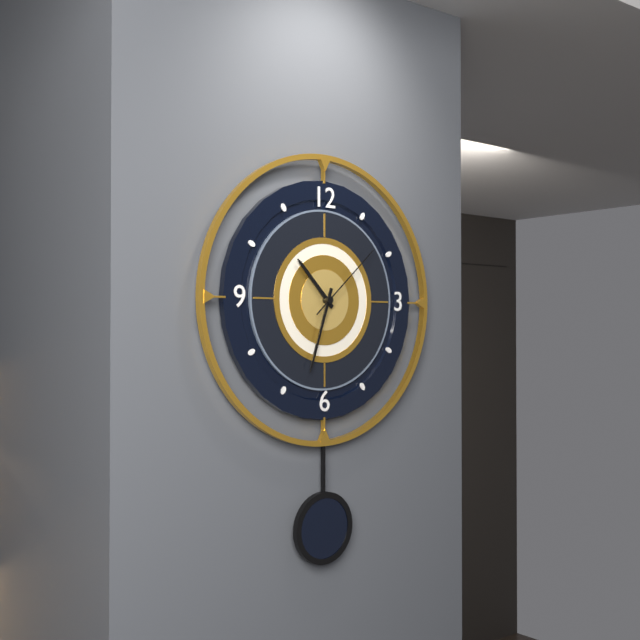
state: 10:33:08
